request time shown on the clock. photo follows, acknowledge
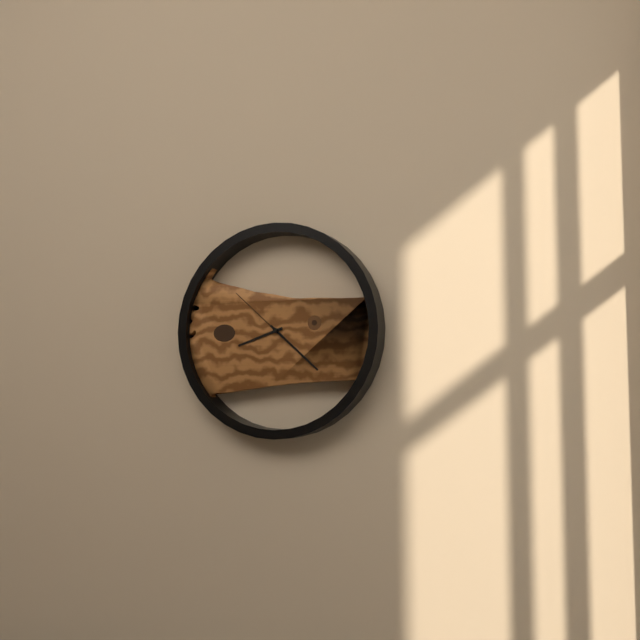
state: 8:22:52
